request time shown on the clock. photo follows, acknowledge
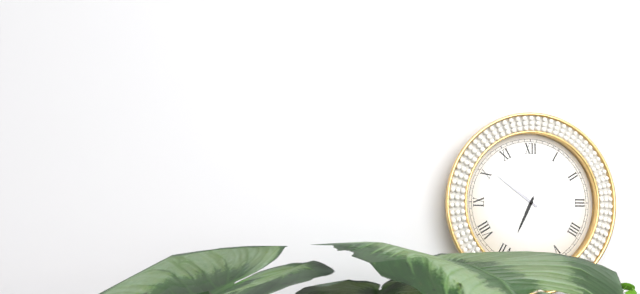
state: 6:51
